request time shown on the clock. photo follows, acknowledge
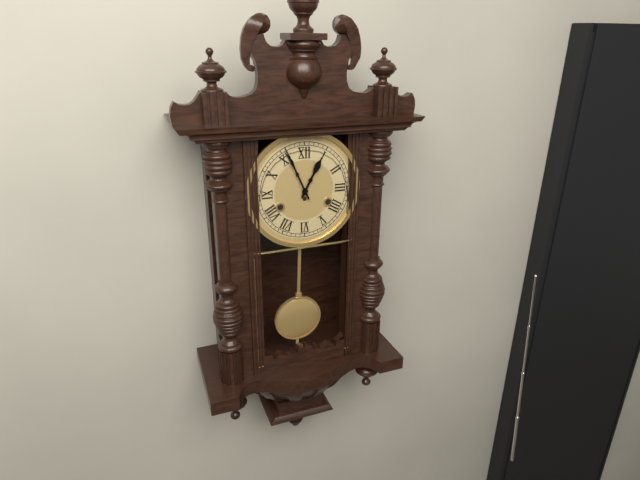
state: 12:56
